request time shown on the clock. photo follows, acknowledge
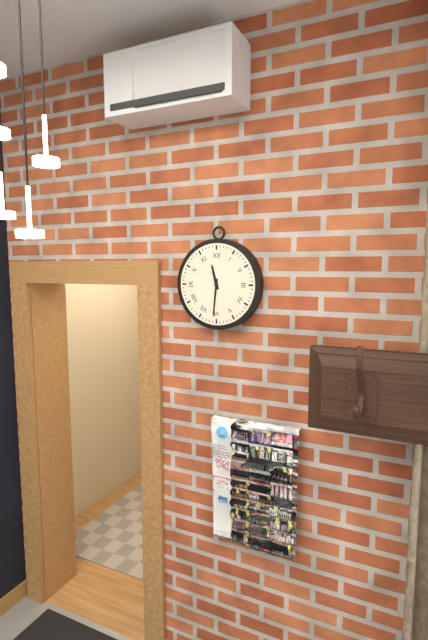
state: 11:31
